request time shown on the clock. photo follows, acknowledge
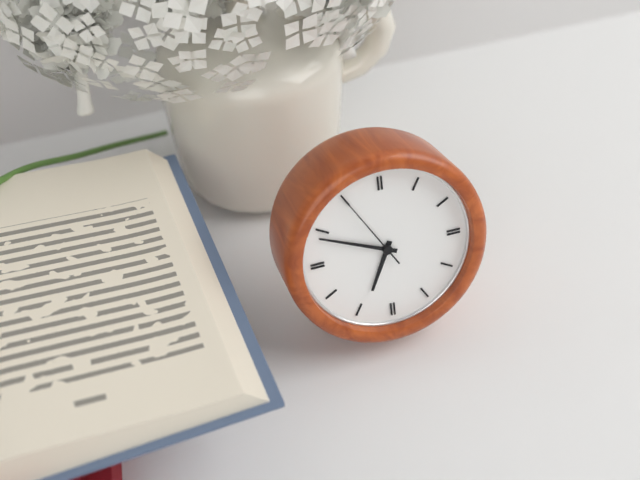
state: 6:49:55
